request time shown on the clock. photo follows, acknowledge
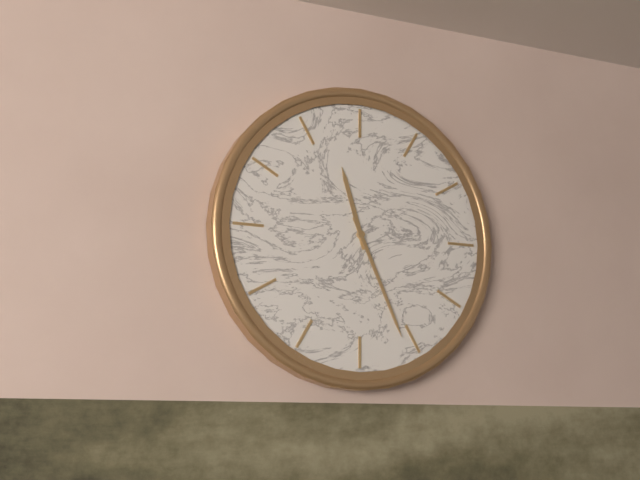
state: 11:26
